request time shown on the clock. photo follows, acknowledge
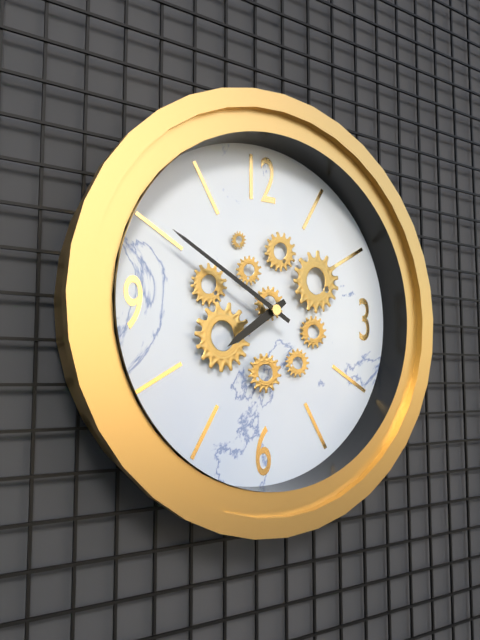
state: 7:50
